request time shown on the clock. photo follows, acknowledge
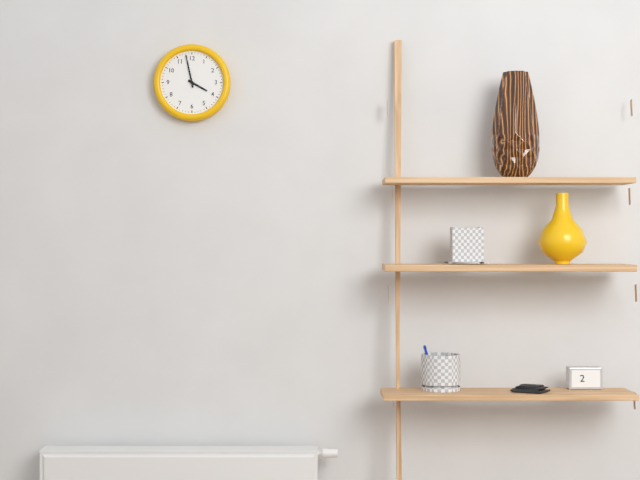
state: 3:58
